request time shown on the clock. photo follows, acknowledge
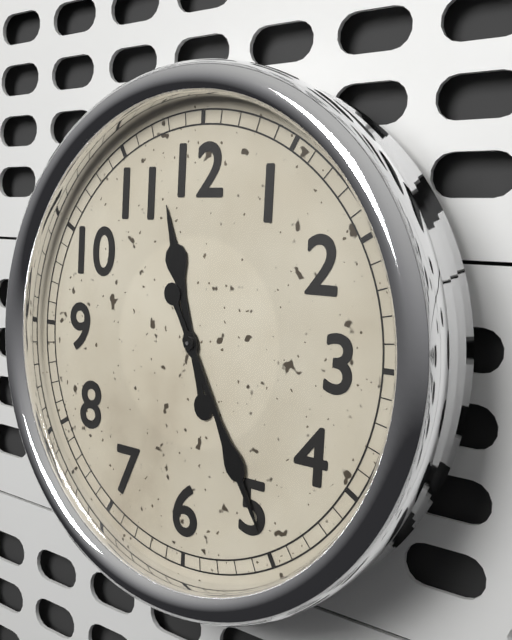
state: 11:25
